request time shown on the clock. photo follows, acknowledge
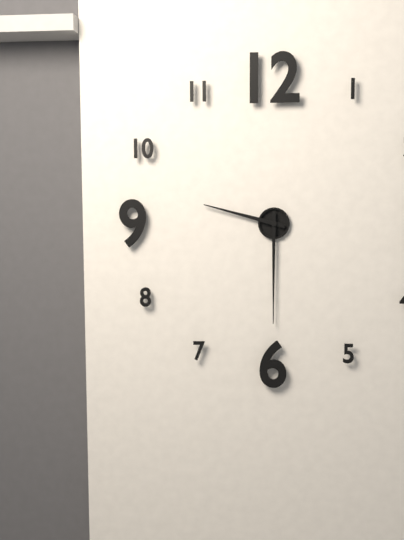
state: 9:30
